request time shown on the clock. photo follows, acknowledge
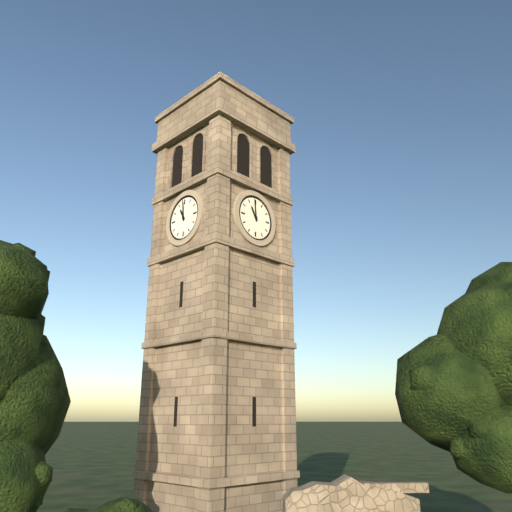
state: 10:59
